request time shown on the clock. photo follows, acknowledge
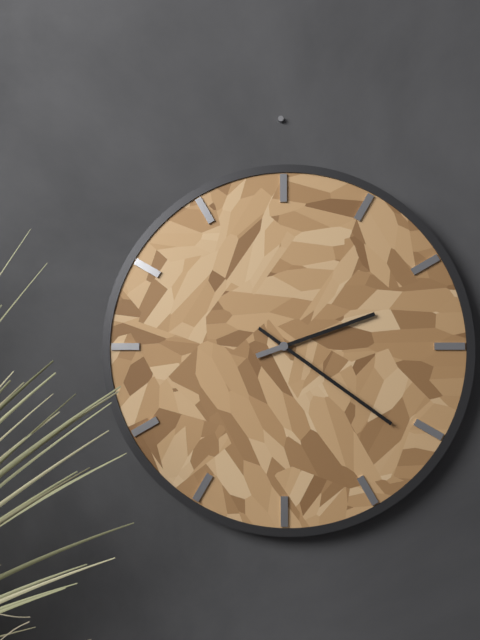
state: 2:21
